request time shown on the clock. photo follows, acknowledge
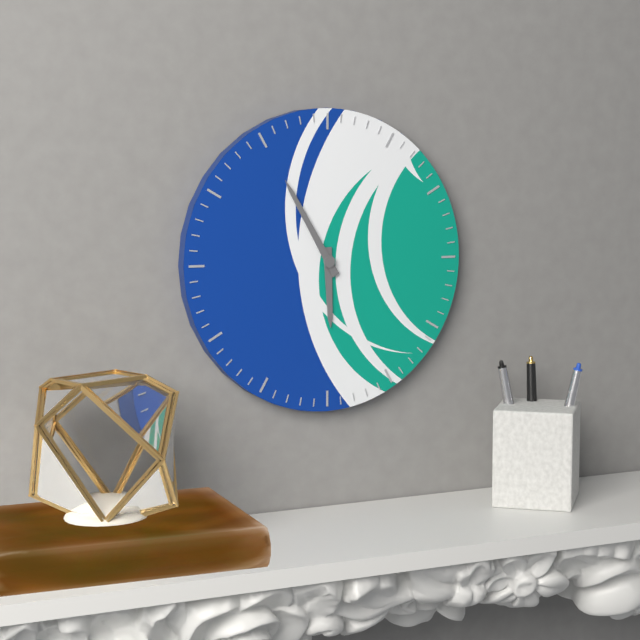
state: 5:55
